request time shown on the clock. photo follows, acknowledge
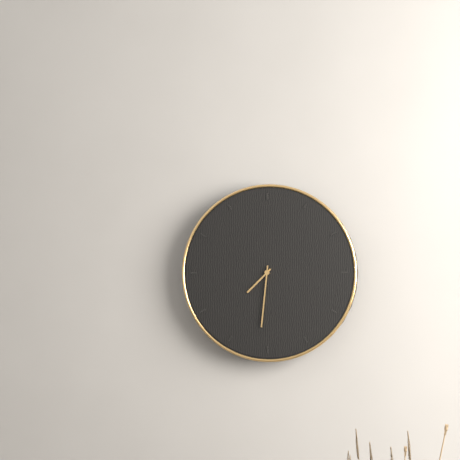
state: 7:31
